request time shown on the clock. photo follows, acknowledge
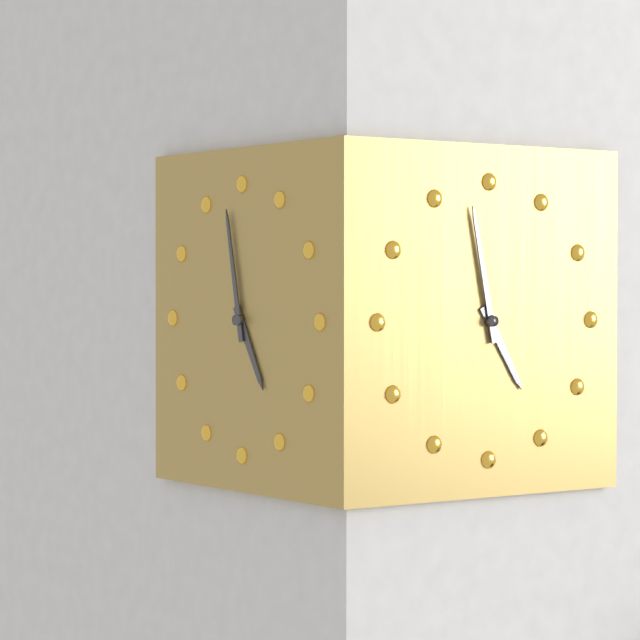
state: 4:58
